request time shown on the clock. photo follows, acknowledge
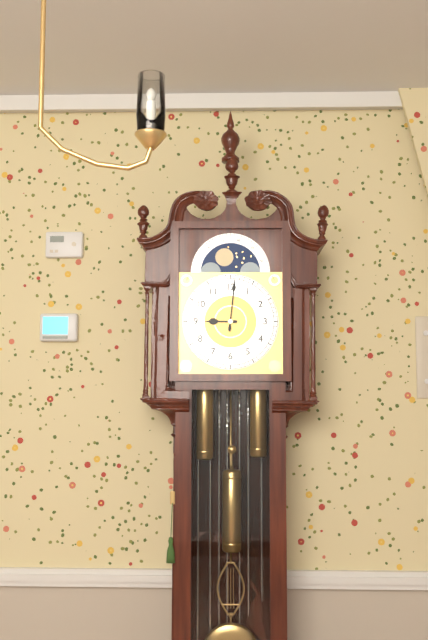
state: 9:01
